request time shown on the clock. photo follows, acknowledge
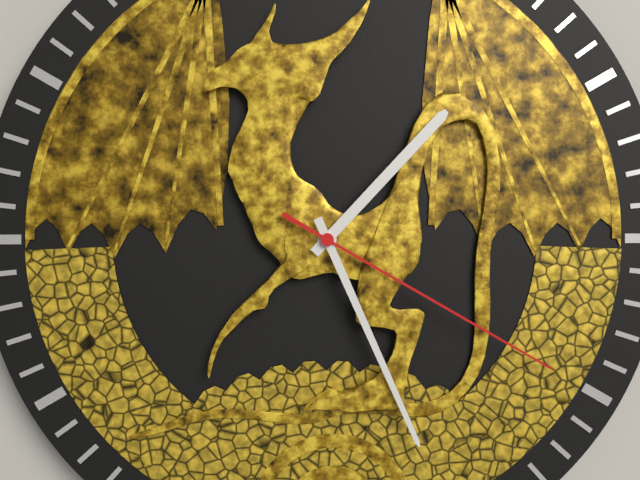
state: 1:26:20
